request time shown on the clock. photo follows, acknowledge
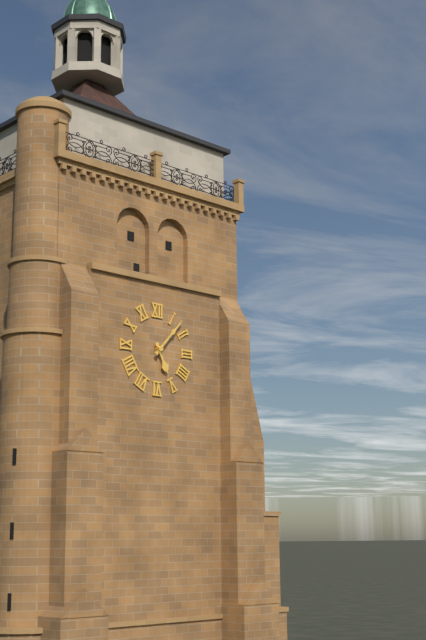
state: 5:07
